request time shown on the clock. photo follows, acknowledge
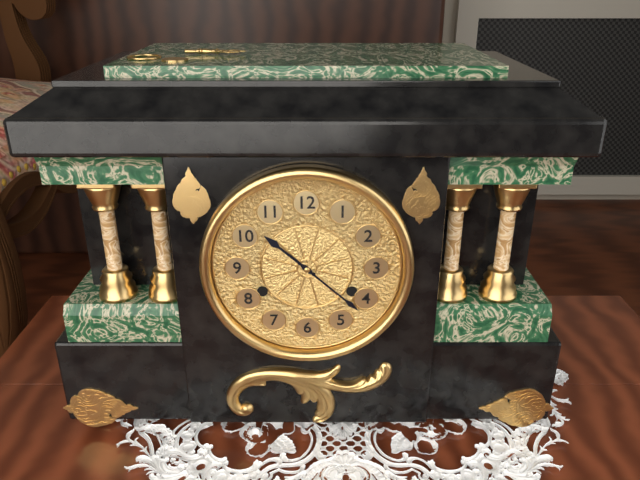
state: 10:22
